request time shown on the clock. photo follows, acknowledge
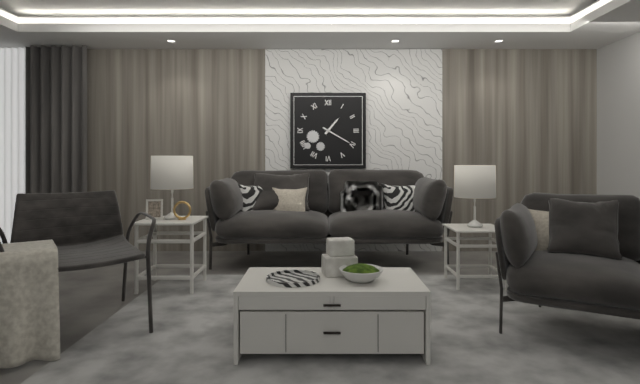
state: 1:20
